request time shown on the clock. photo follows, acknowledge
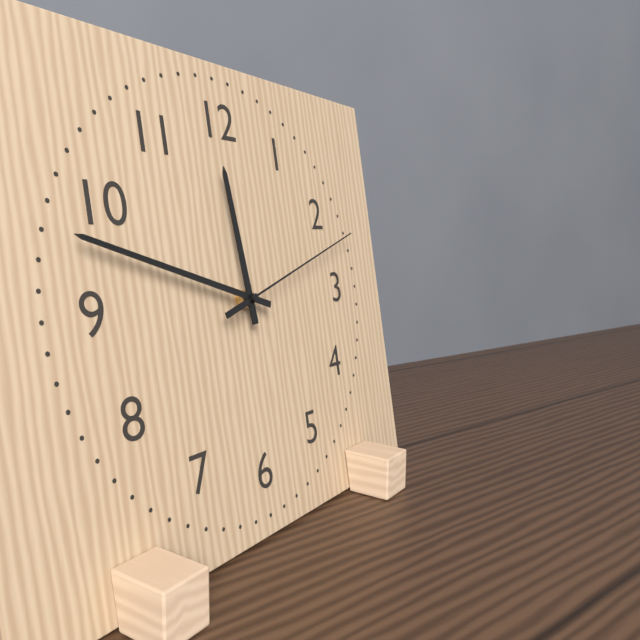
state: 11:48:12
